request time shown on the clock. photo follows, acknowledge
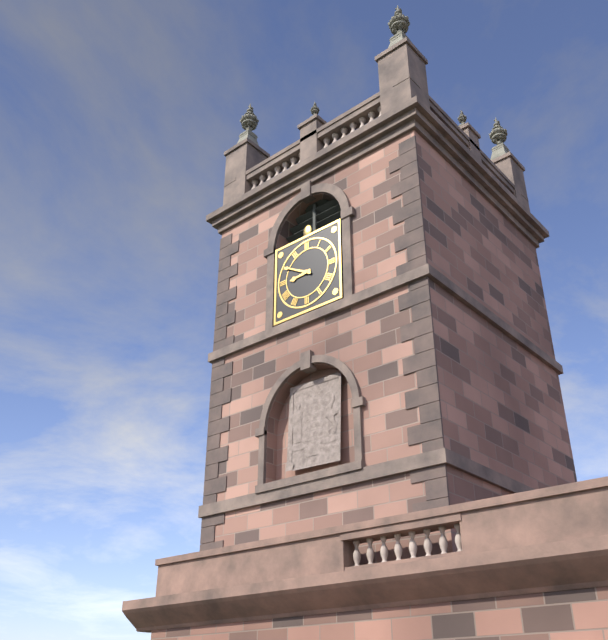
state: 8:50
